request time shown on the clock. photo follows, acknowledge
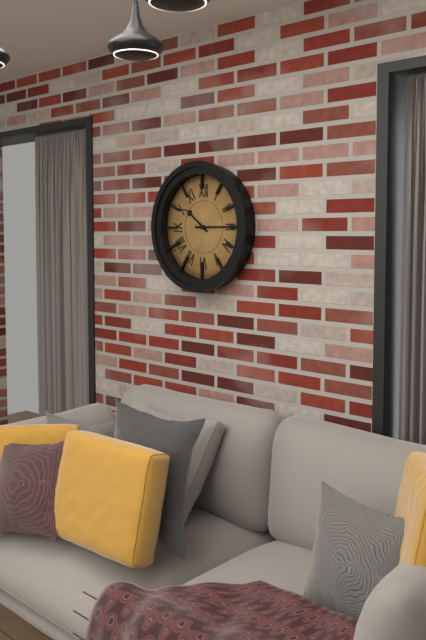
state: 10:15
